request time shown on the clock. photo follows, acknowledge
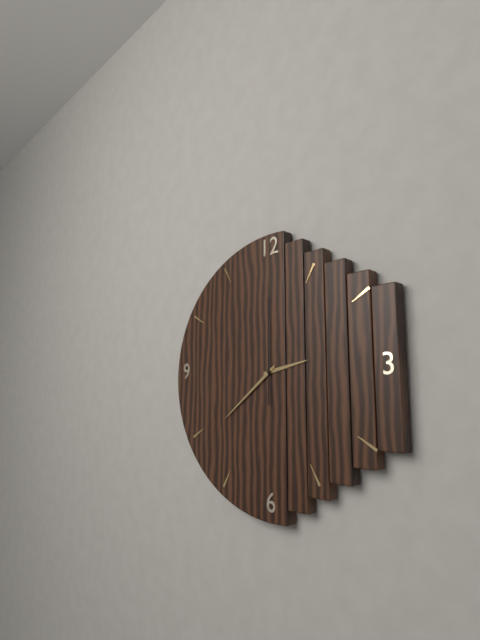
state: 2:39:00
